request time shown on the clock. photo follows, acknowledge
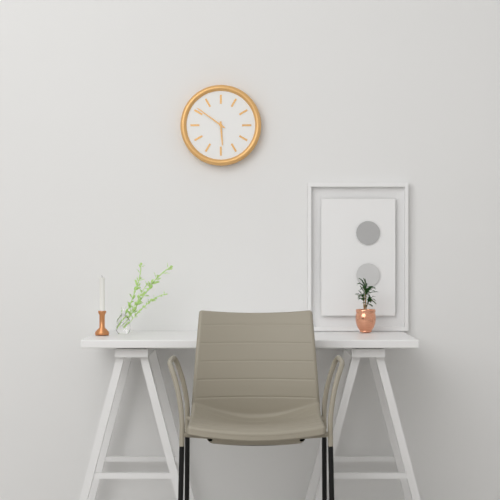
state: 5:51
